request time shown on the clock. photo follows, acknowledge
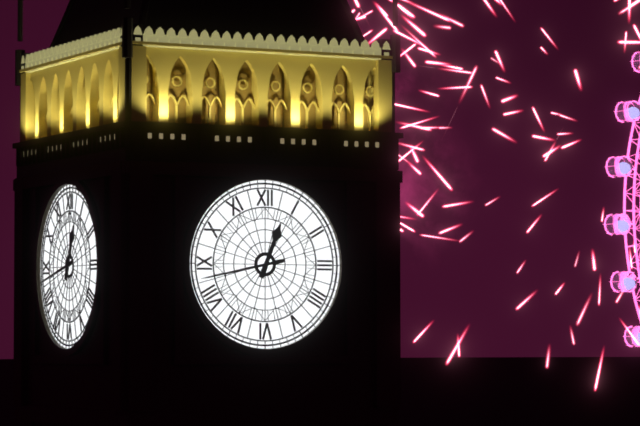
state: 12:43
